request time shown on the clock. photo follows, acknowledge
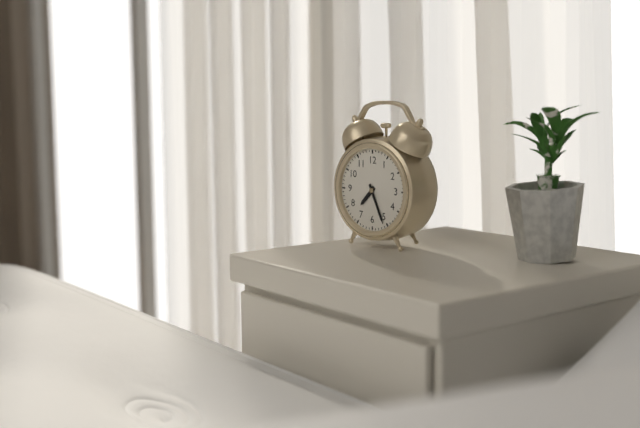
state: 7:26
